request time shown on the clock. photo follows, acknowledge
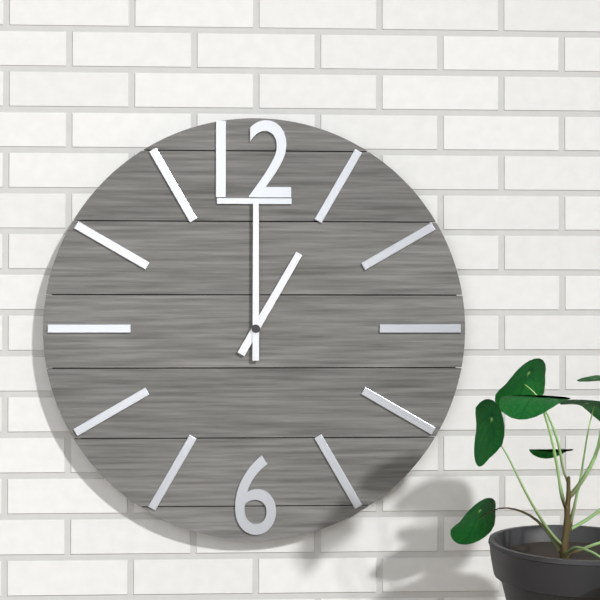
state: 1:00
